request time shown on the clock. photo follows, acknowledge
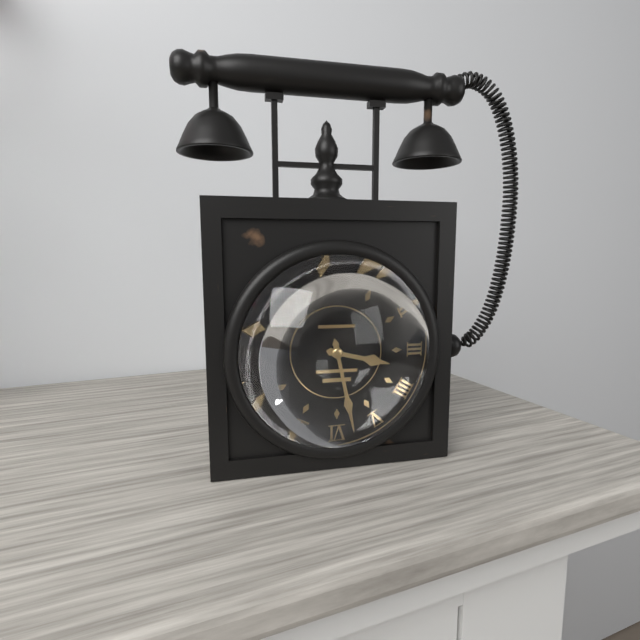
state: 3:28
